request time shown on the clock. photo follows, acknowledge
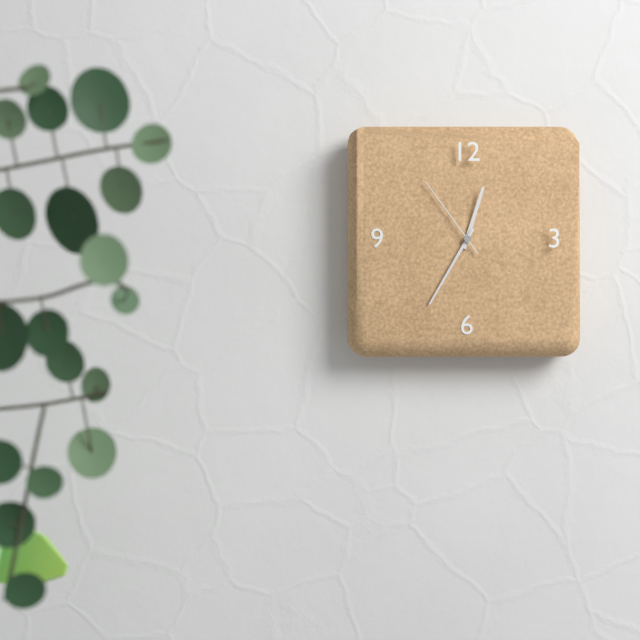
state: 12:35:54
